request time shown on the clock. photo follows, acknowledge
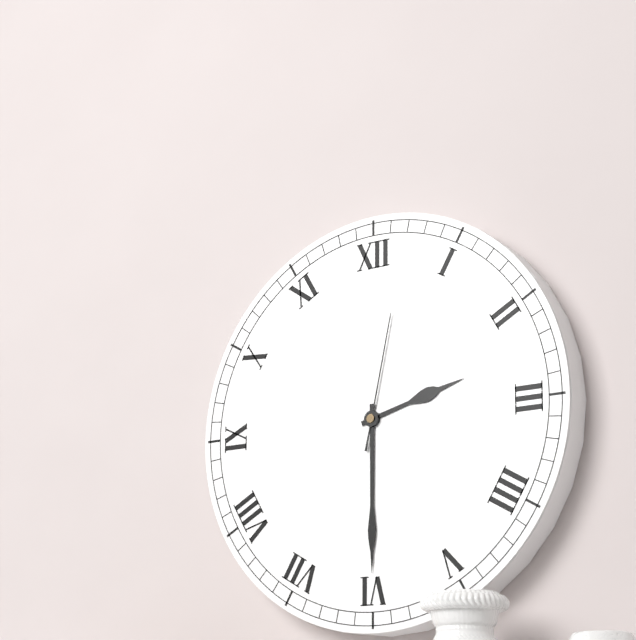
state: 2:30:02
